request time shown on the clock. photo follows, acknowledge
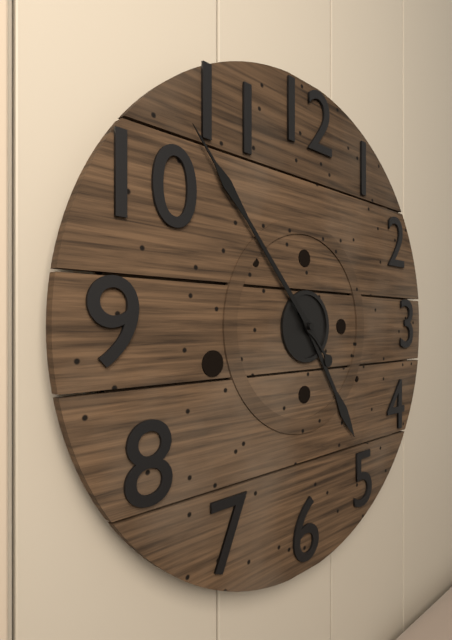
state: 4:53
